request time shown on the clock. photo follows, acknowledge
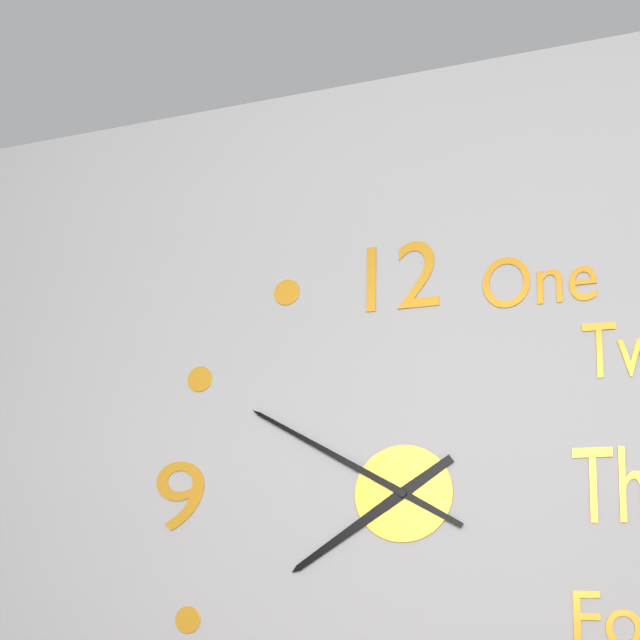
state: 7:50
